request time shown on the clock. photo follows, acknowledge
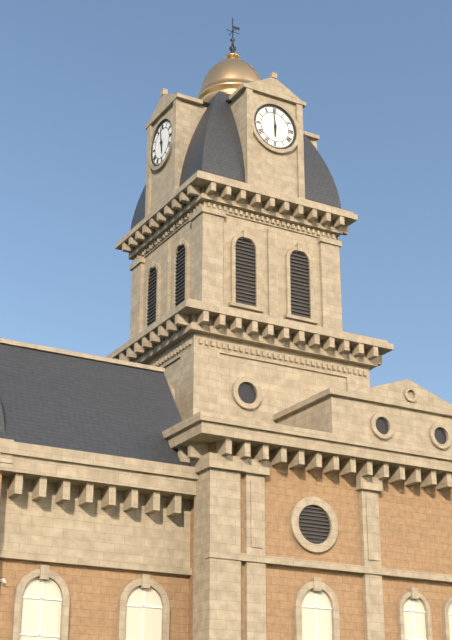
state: 5:59
